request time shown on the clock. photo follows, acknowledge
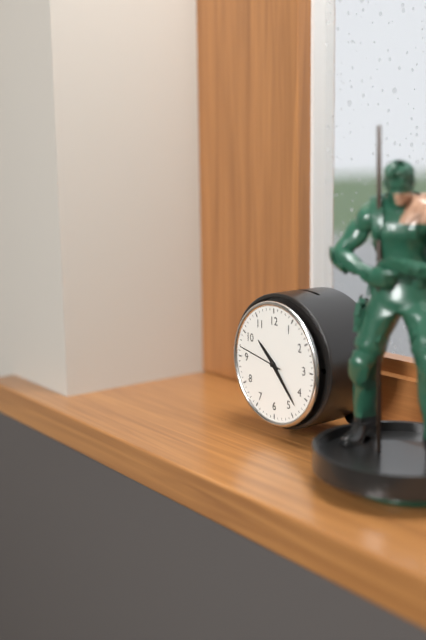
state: 10:23:47
